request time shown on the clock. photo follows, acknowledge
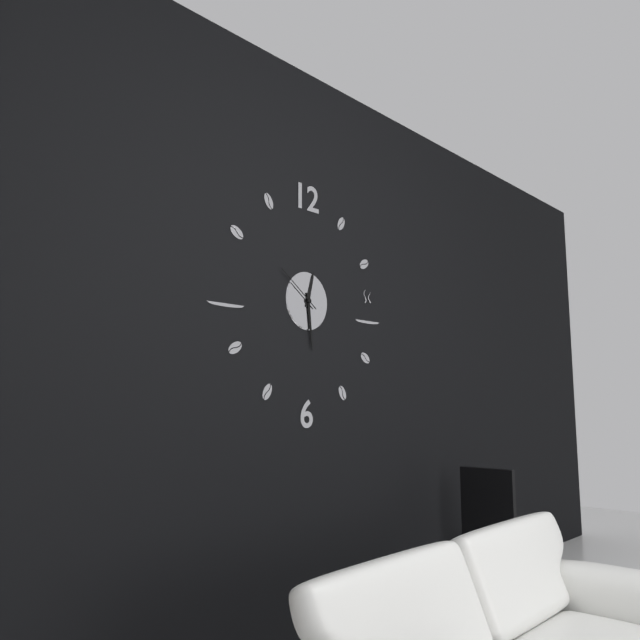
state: 12:29:51
